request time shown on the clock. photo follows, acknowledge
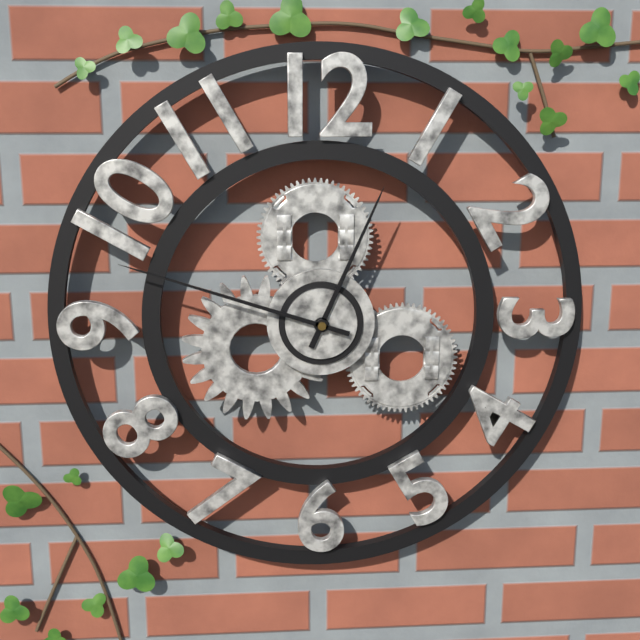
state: 12:48
